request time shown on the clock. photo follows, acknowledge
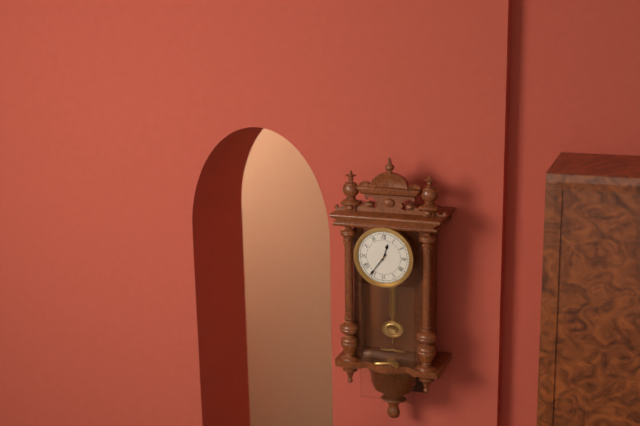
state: 12:36
